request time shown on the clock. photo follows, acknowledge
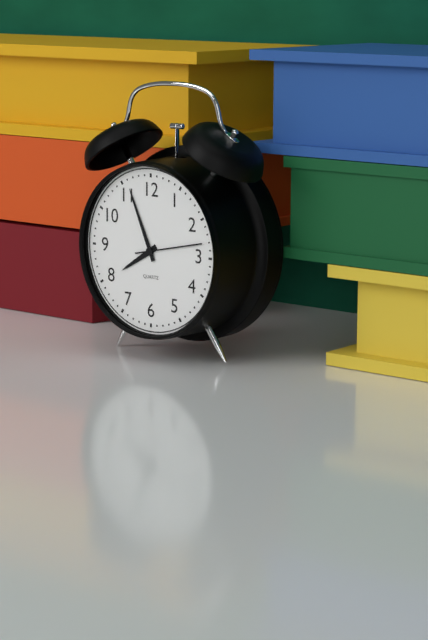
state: 7:56:13
